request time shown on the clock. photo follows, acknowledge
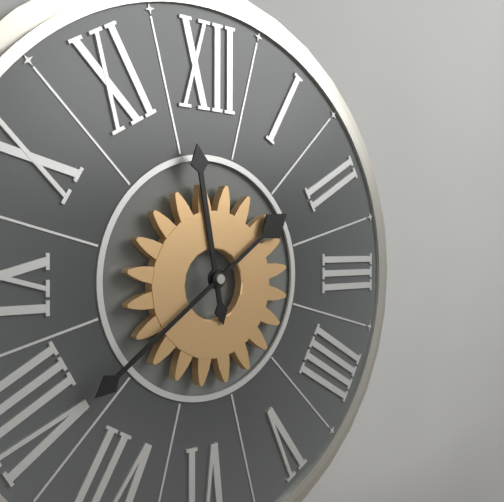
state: 11:39
